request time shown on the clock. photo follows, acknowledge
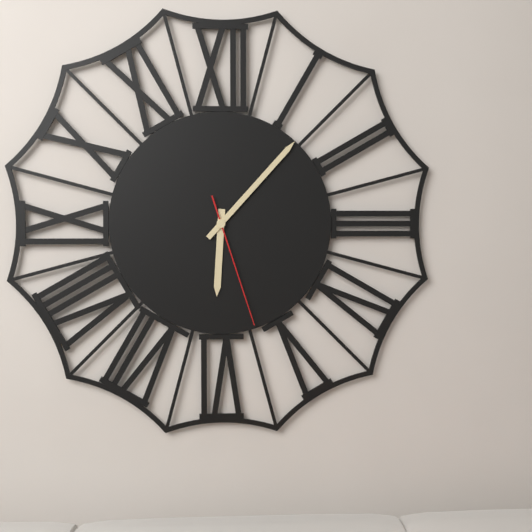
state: 6:07:27
